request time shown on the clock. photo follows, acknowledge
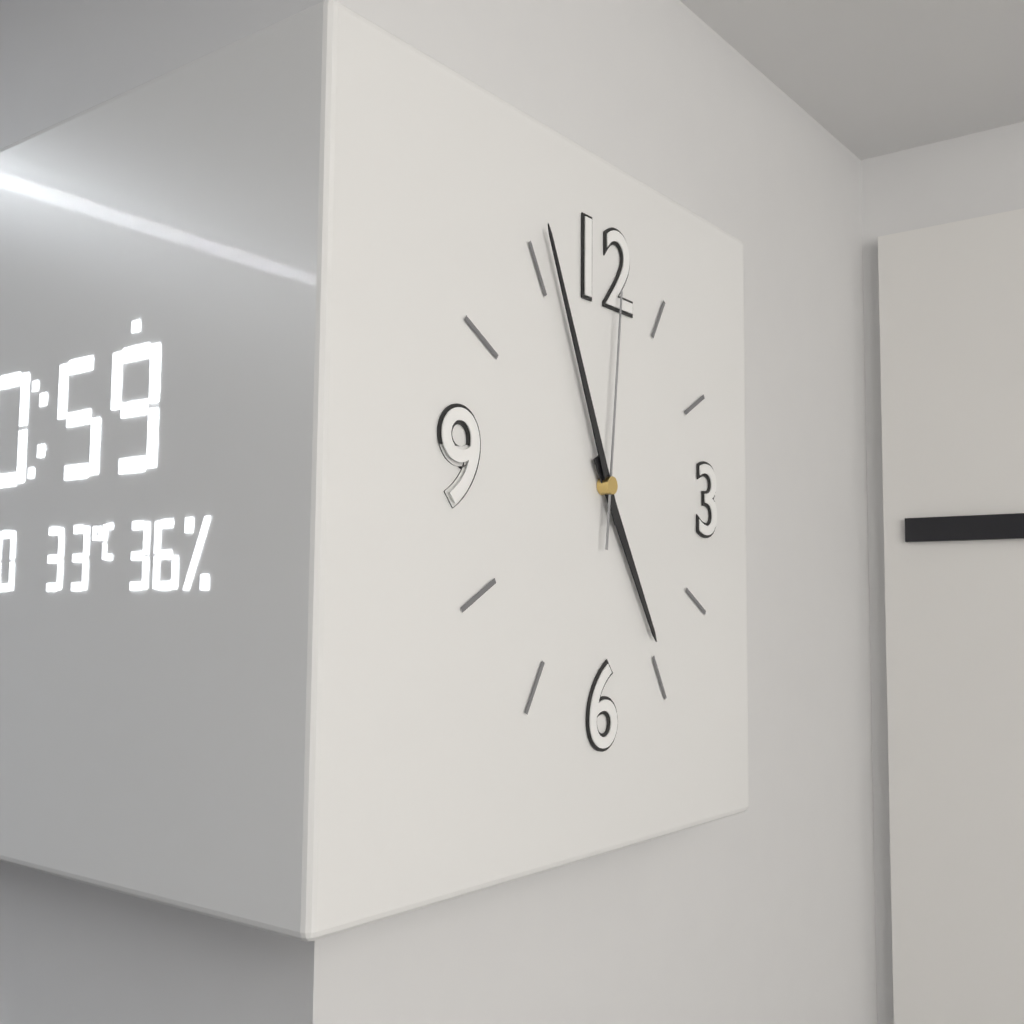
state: 4:56:01
